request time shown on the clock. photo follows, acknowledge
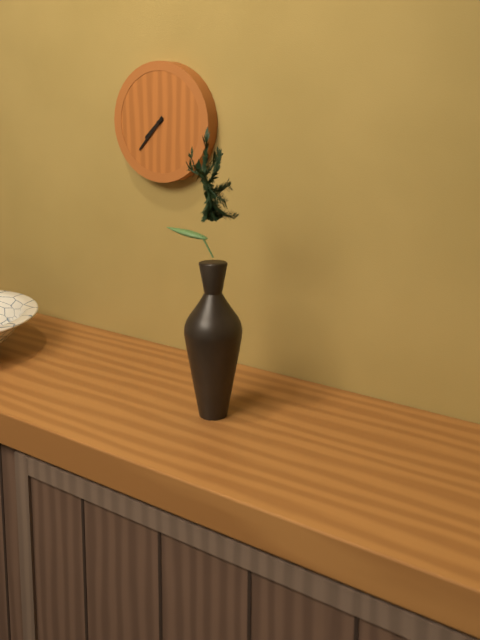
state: 7:37
